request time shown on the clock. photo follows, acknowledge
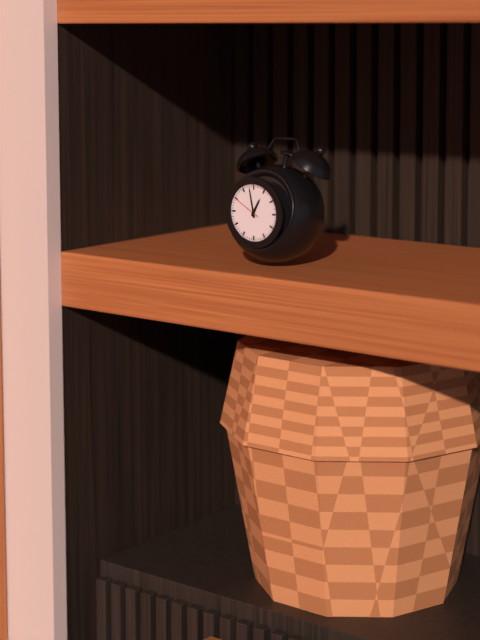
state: 12:58:50
